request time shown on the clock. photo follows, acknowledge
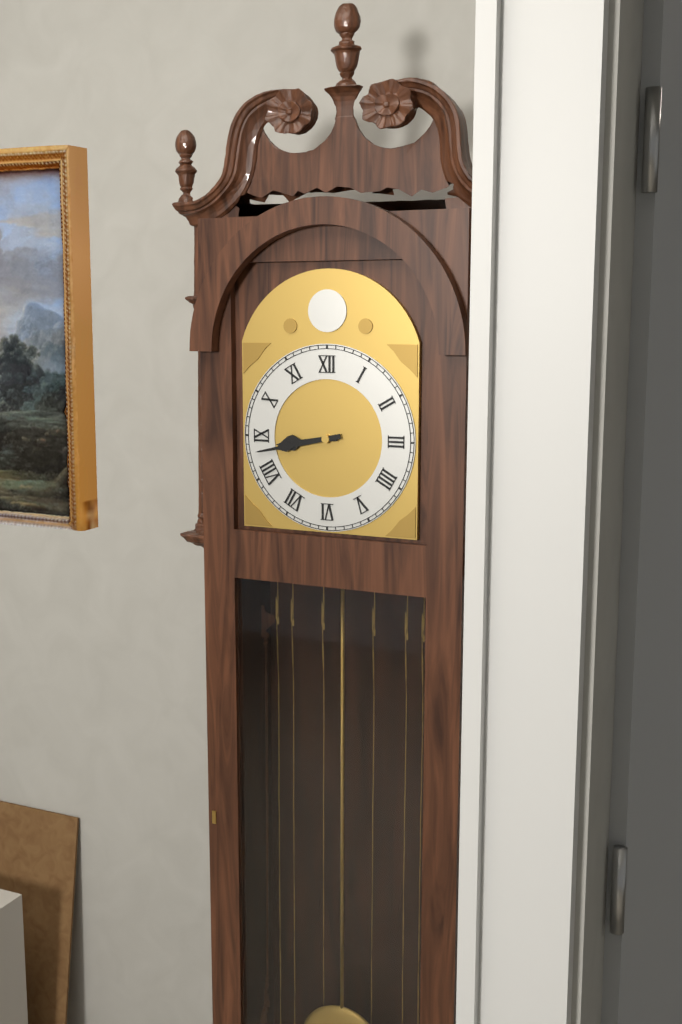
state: 8:43
